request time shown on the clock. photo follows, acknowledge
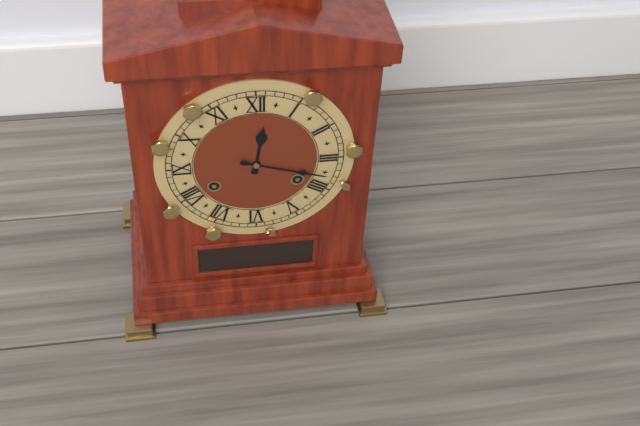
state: 12:18
